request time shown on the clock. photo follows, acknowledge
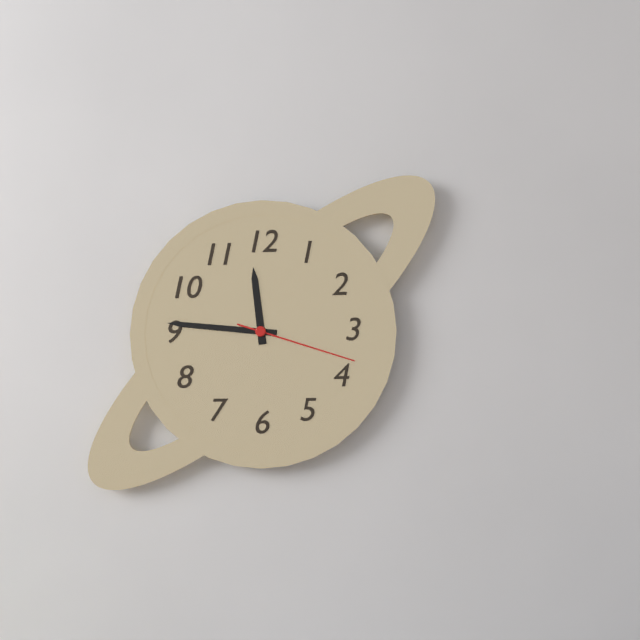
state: 11:46:18
